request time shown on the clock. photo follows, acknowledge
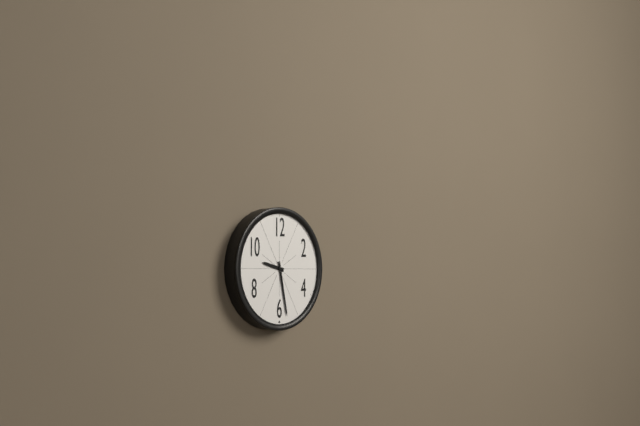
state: 9:28
